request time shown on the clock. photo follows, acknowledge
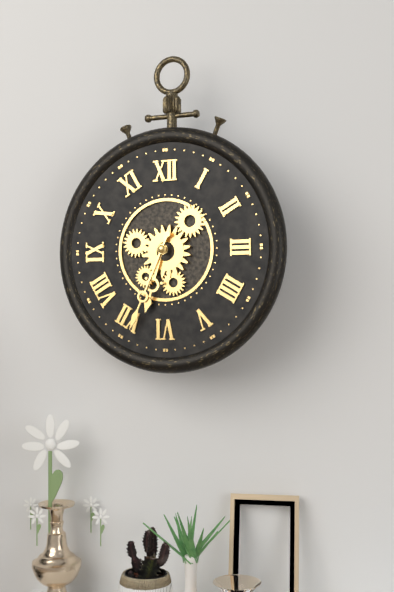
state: 6:34
